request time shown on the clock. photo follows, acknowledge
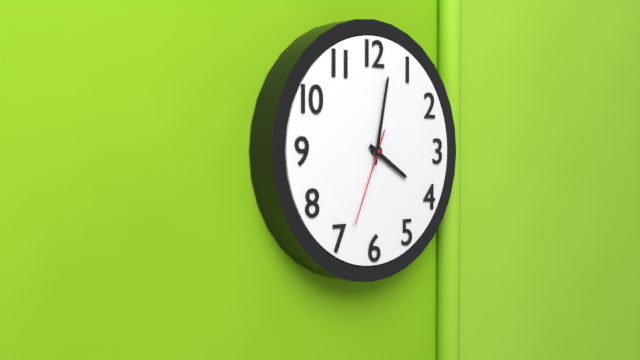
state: 4:02:34
